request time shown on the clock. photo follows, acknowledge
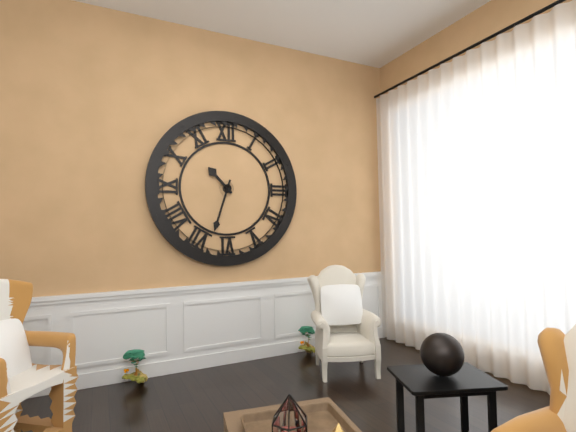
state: 10:33
